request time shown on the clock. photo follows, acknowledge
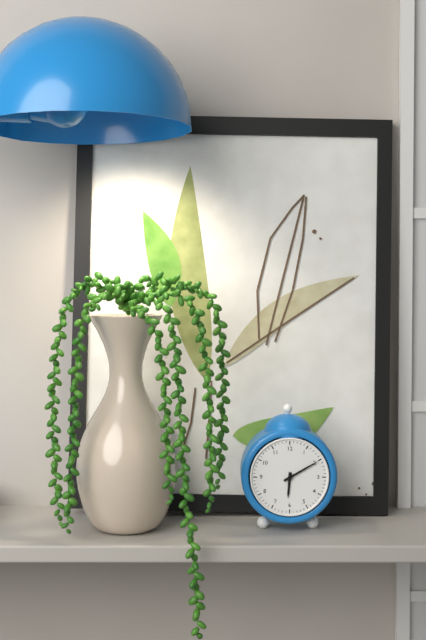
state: 6:10
